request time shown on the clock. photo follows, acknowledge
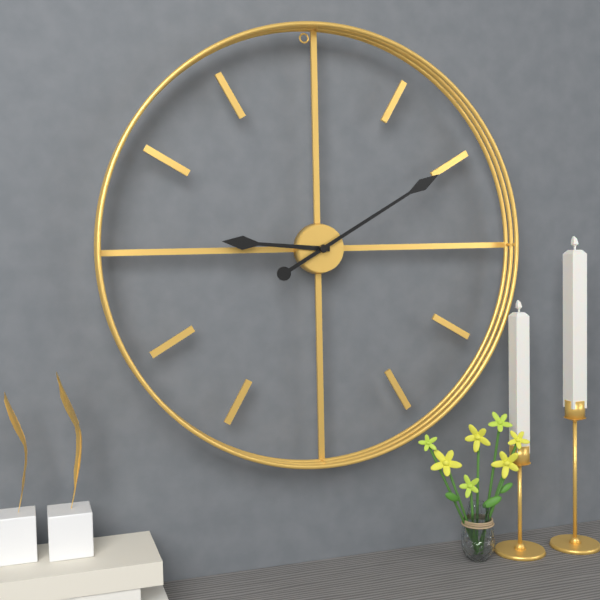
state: 9:10
